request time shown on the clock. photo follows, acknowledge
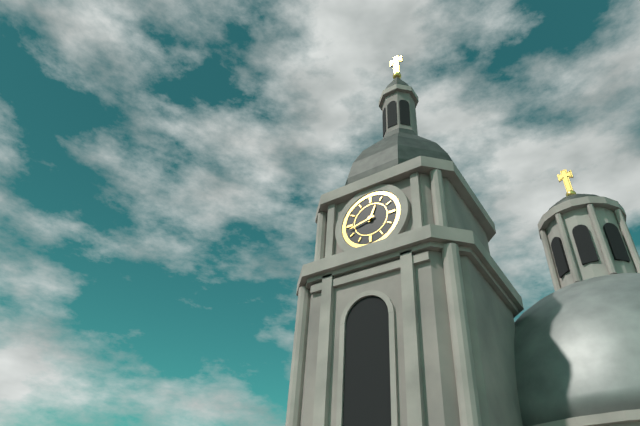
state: 12:43
